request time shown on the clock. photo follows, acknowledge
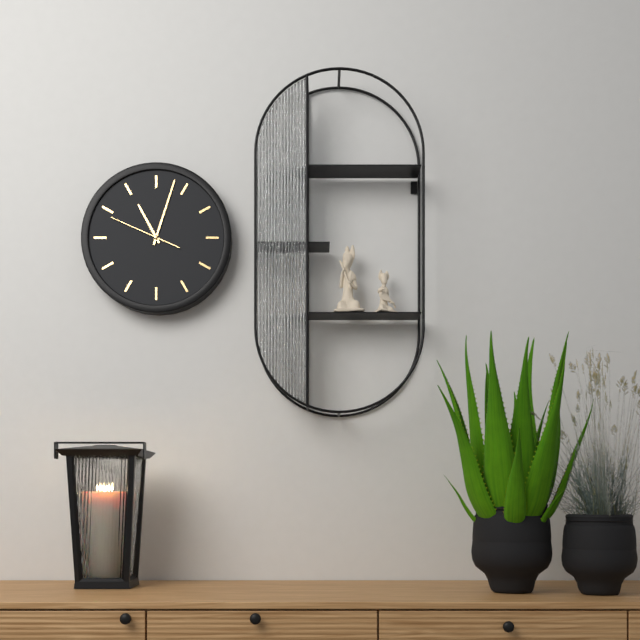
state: 11:03:49
